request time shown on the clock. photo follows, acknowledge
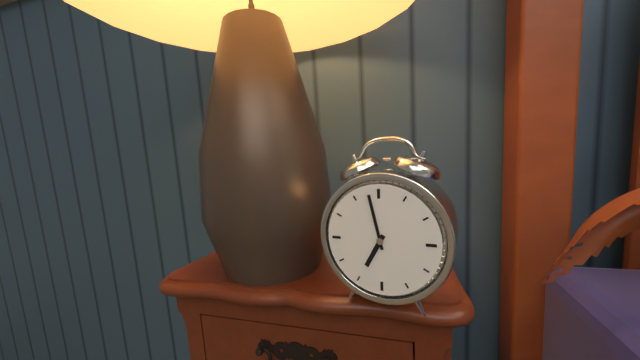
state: 6:58
